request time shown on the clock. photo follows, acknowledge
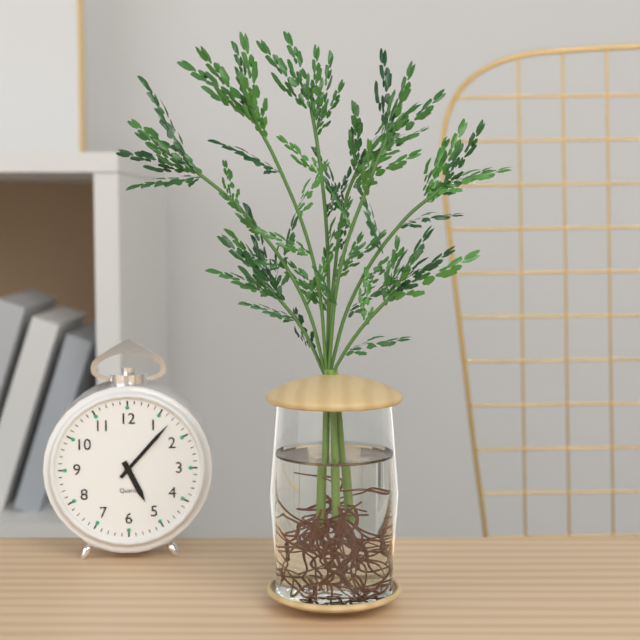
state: 5:07
